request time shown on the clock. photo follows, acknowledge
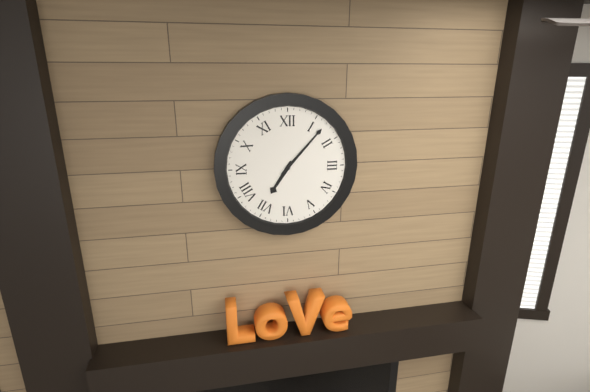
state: 7:07
